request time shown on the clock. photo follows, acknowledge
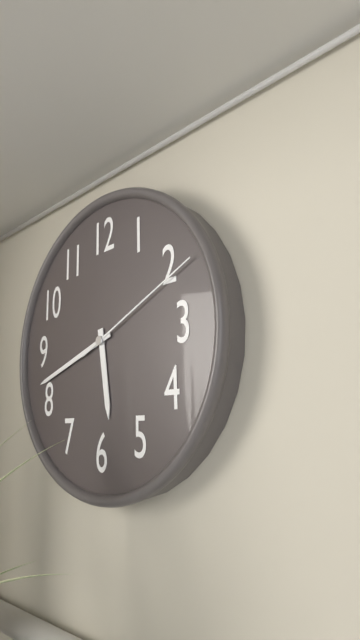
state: 5:42:11
